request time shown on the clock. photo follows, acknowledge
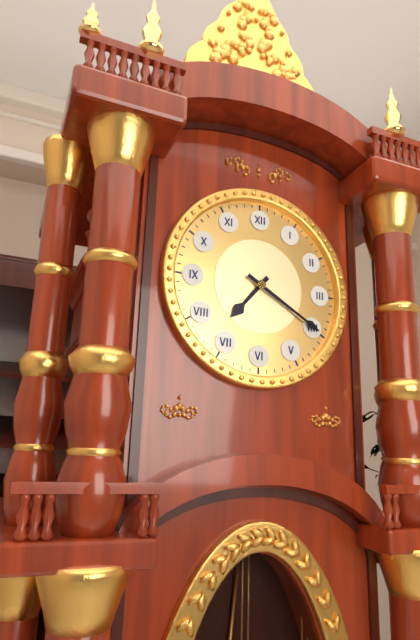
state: 7:20
